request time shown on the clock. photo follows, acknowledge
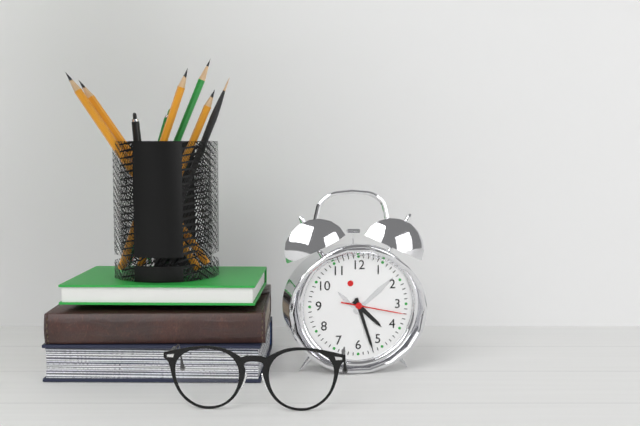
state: 4:27:17
